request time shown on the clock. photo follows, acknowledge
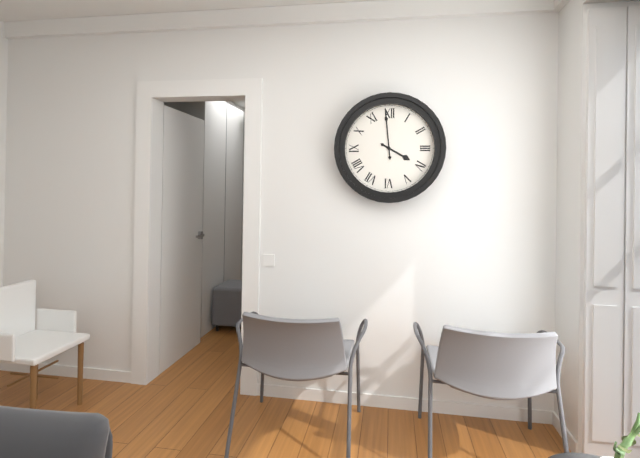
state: 3:59
